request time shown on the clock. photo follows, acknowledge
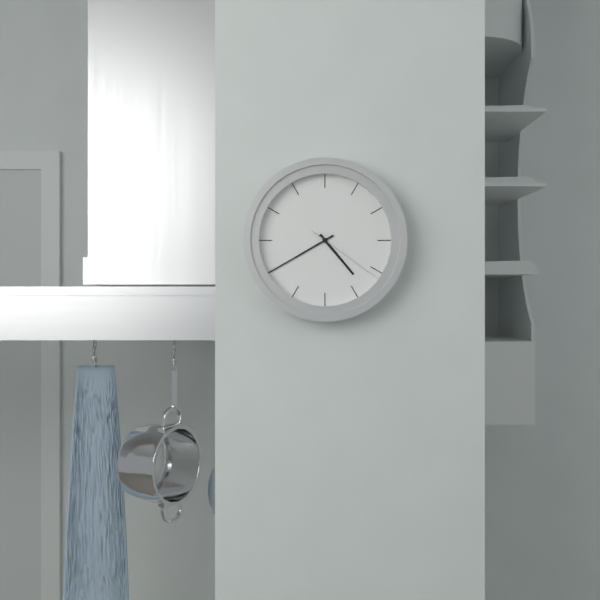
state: 4:40:21
